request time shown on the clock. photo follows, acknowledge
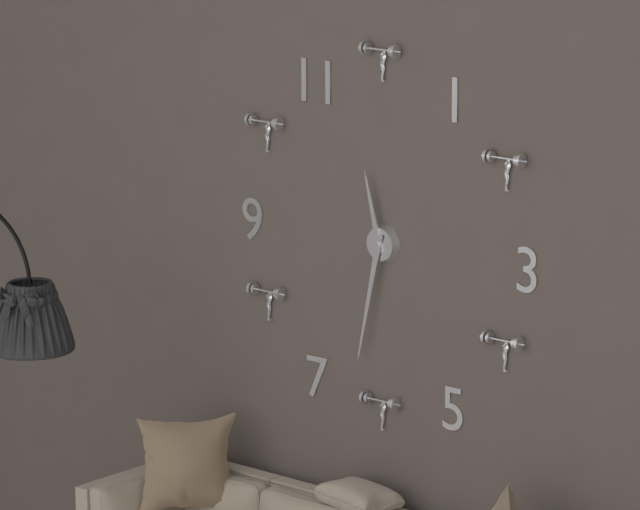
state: 11:32
